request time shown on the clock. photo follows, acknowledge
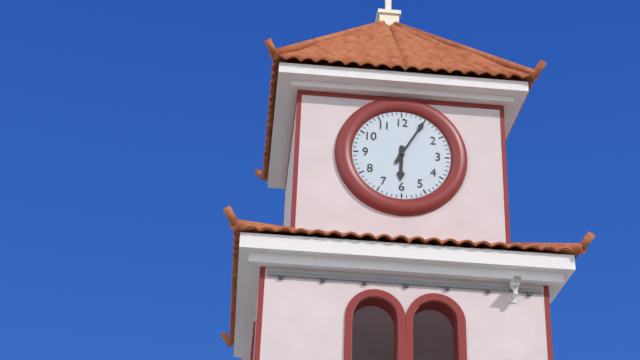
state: 6:05
